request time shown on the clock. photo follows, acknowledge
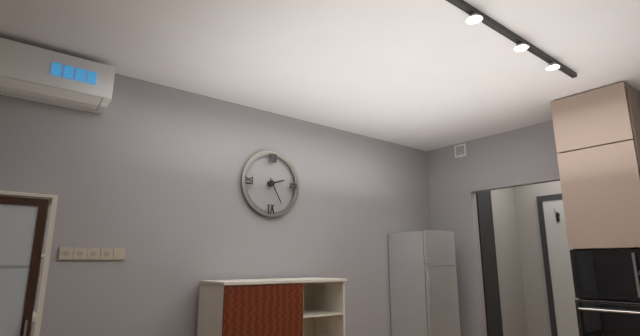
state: 2:25
